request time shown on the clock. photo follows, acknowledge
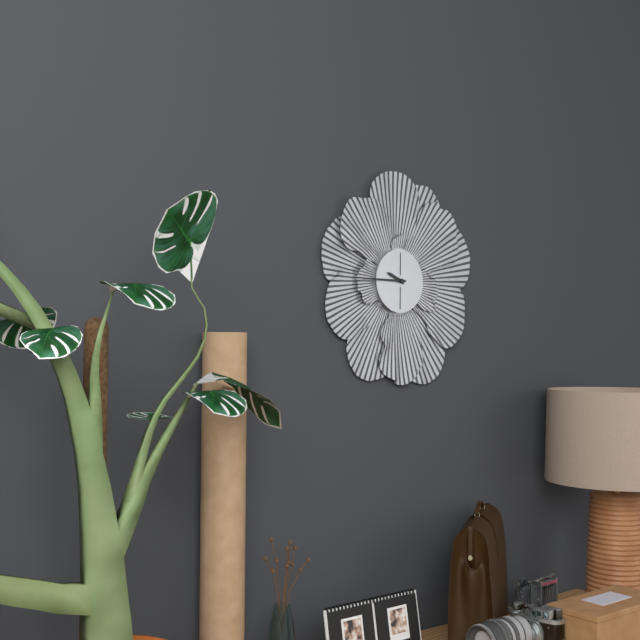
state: 9:45
